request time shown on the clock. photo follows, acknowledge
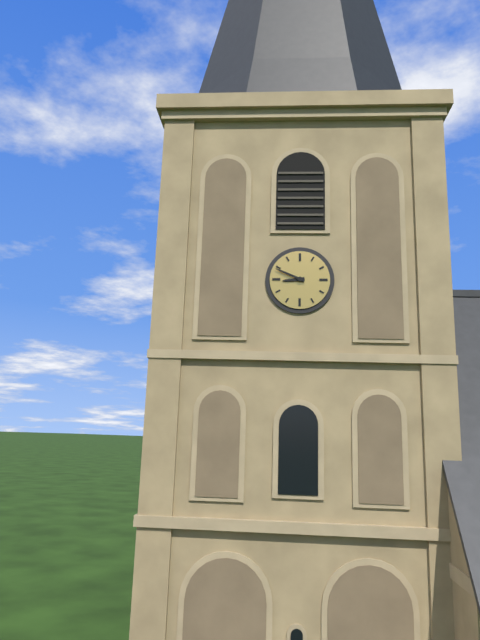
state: 8:49
